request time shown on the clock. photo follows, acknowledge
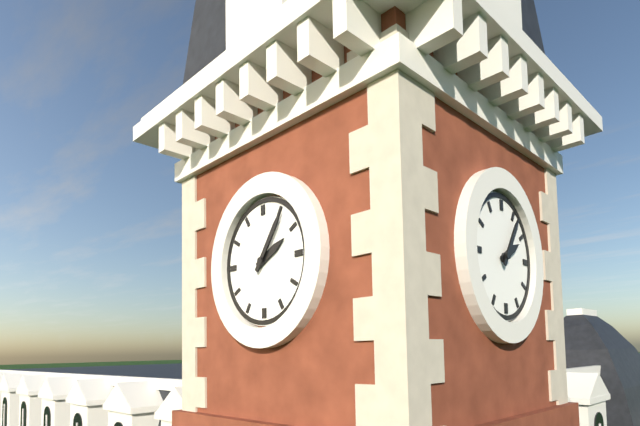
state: 2:06
